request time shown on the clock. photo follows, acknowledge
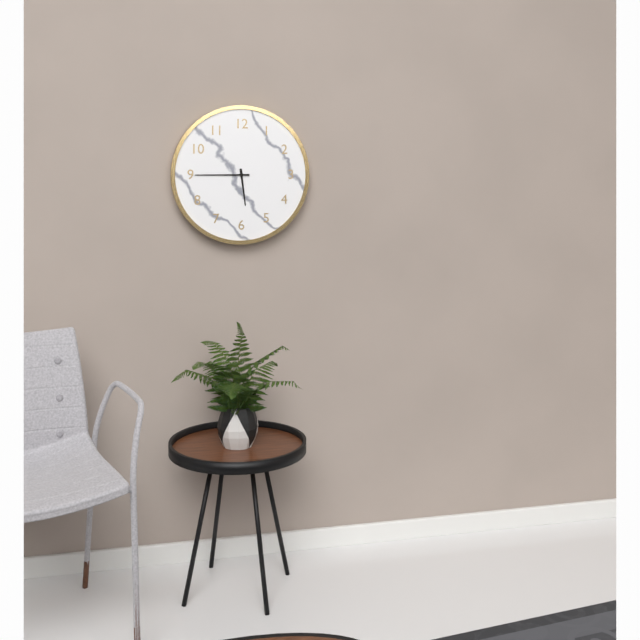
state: 5:45
